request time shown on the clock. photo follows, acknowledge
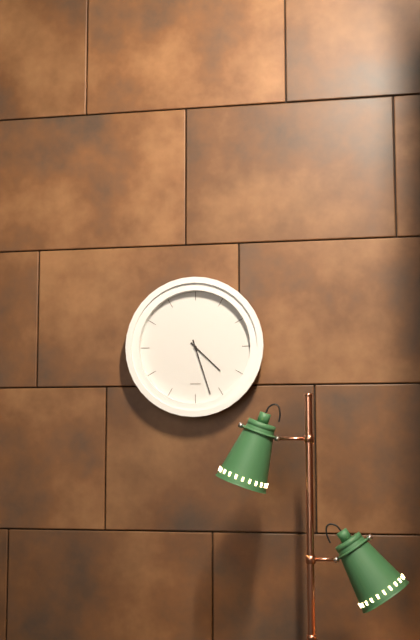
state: 4:27
